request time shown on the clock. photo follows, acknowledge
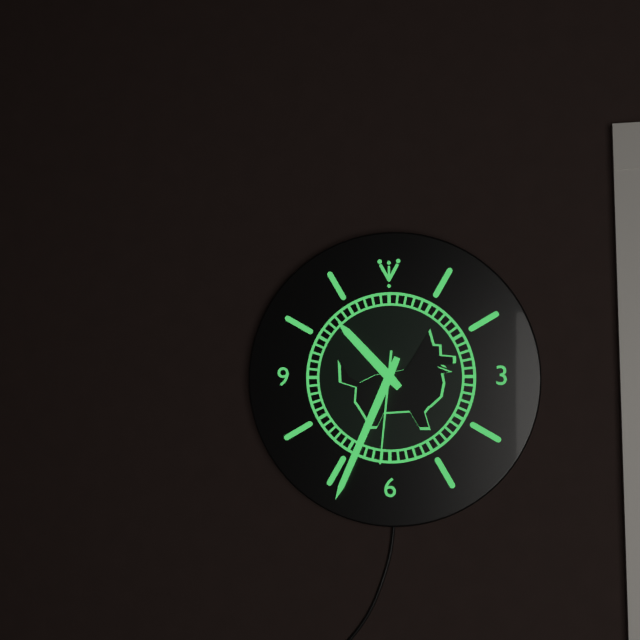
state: 10:34:31
